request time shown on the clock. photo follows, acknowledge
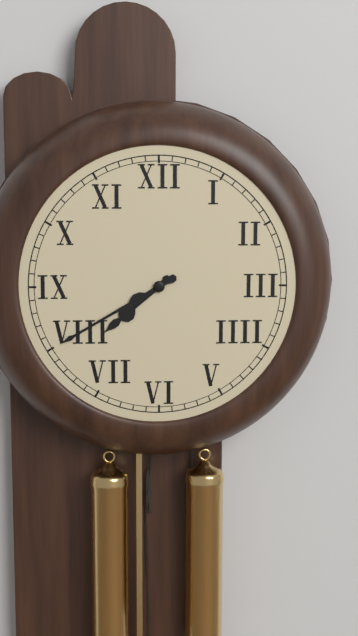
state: 7:40
